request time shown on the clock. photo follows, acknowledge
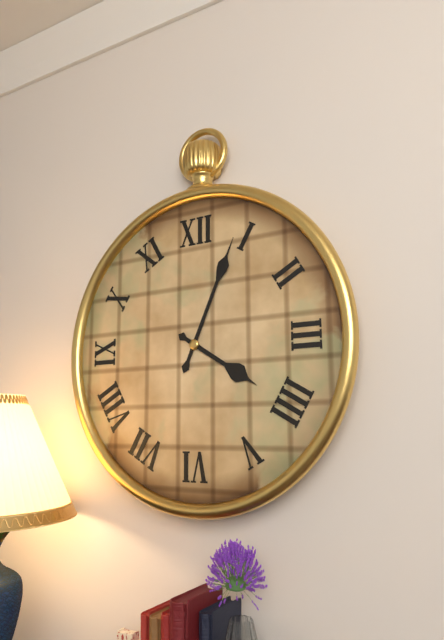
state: 4:04
